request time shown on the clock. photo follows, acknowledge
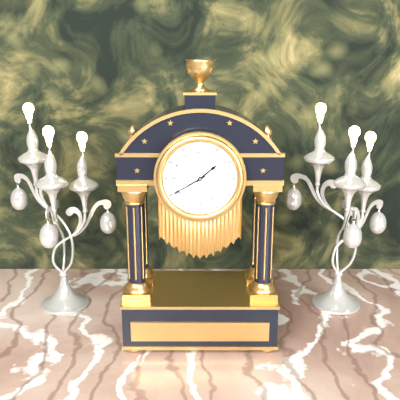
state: 1:40
